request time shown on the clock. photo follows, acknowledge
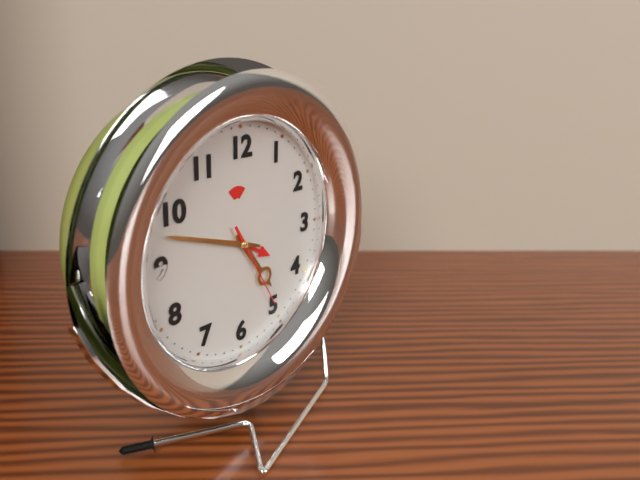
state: 4:48:25
